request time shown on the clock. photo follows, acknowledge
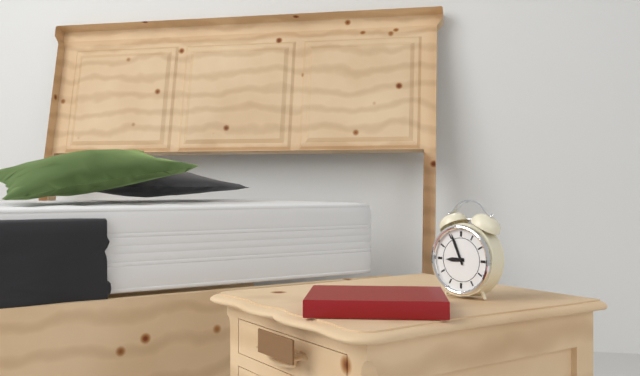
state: 8:56
